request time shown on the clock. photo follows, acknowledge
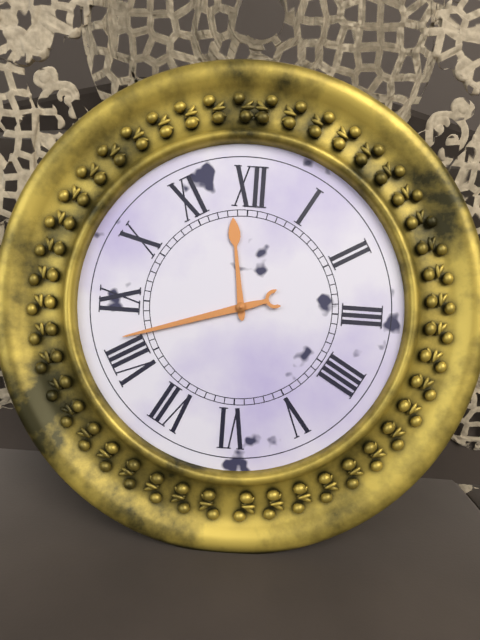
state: 11:42
